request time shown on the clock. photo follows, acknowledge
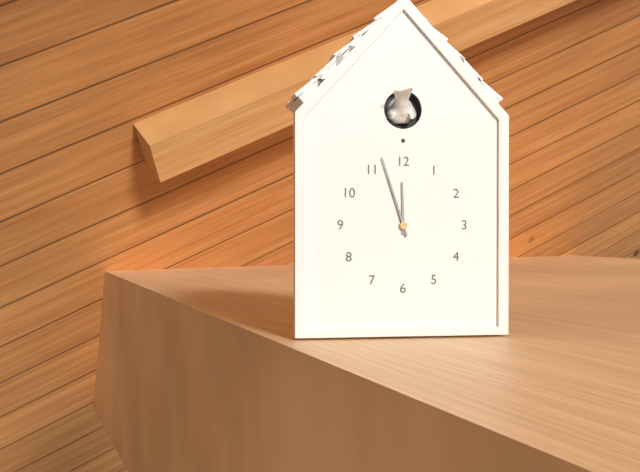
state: 11:57
